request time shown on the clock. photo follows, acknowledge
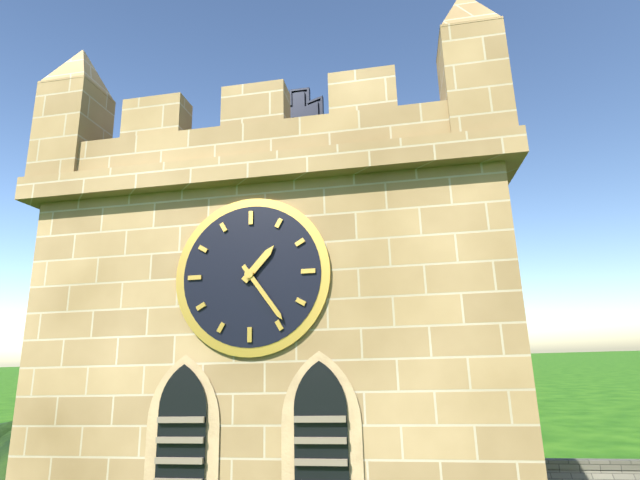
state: 1:24
